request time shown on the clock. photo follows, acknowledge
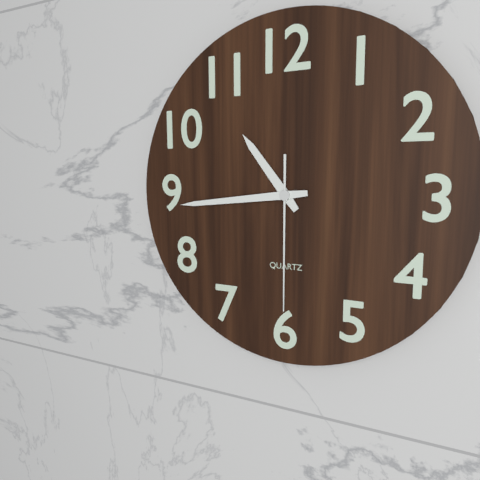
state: 10:44:30
